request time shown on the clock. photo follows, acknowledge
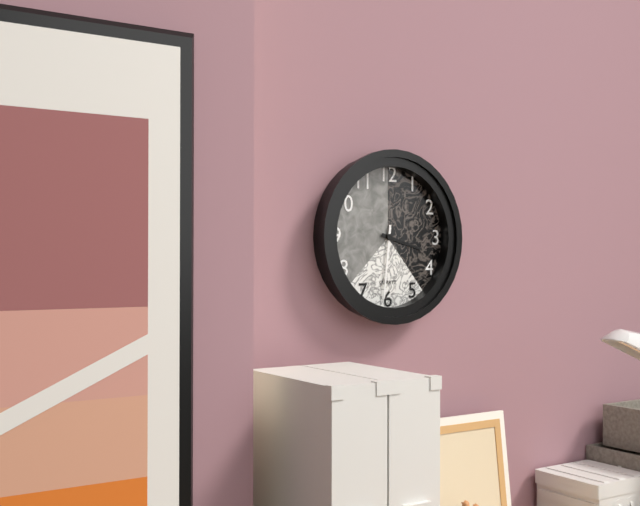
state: 3:31
